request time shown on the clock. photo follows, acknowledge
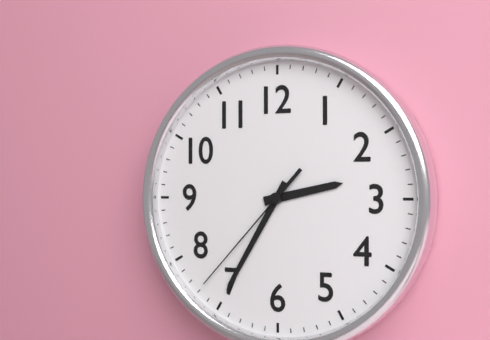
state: 2:35:37
